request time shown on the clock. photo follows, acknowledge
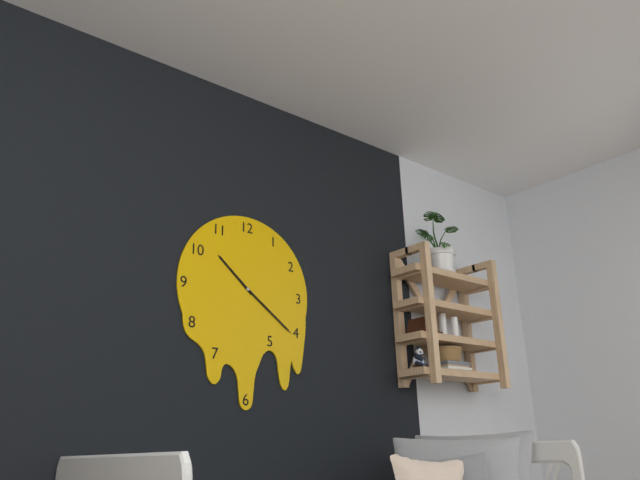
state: 10:21
